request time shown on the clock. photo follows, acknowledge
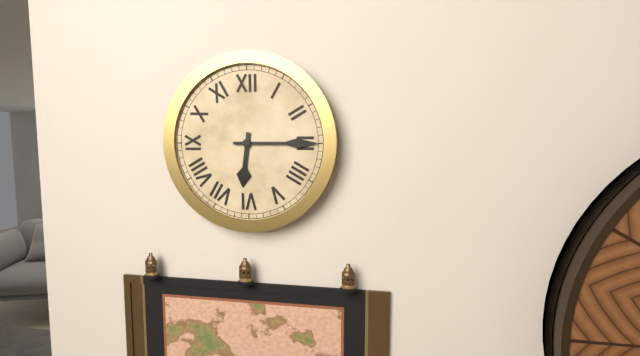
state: 6:15
